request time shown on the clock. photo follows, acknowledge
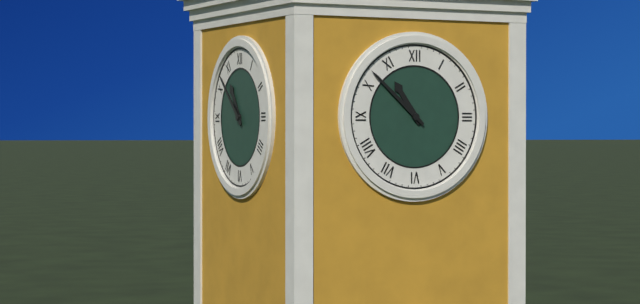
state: 10:52
